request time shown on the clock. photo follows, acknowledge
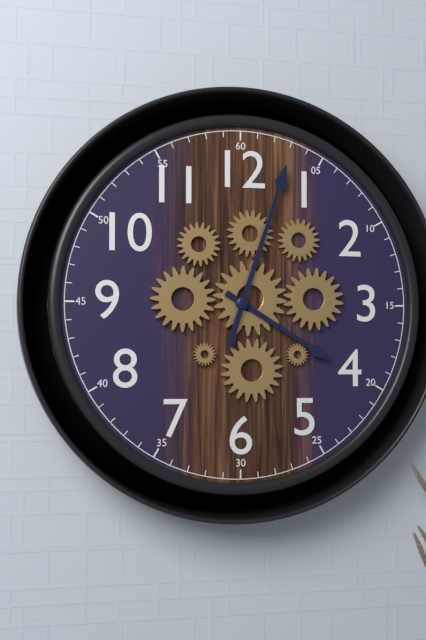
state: 4:03
